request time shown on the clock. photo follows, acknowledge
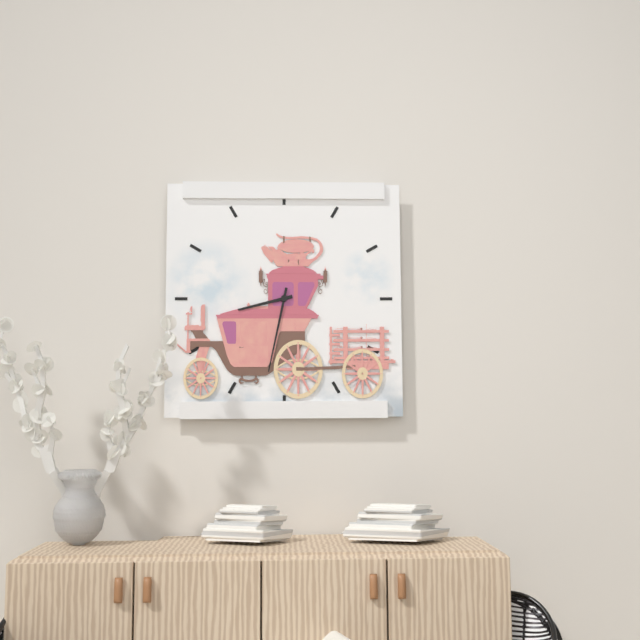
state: 8:32
